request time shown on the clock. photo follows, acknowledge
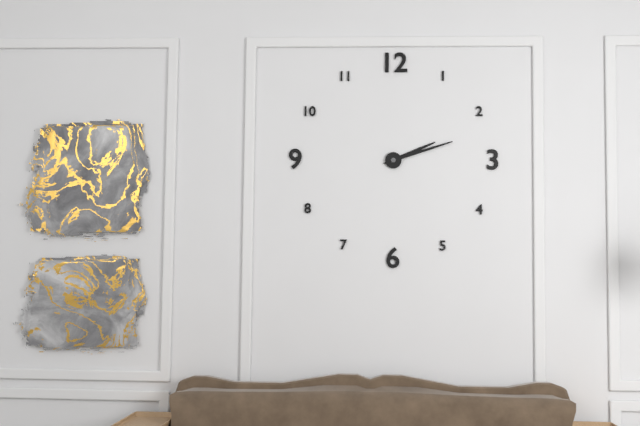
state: 2:12
